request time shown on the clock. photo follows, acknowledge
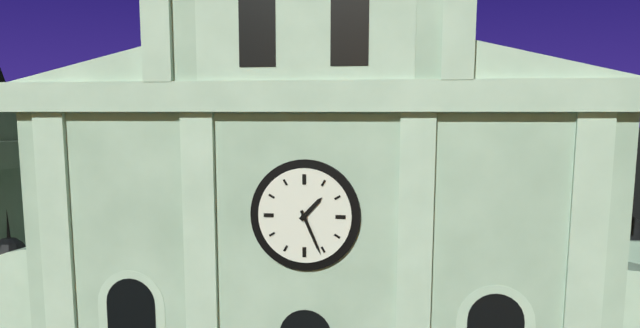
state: 1:26
